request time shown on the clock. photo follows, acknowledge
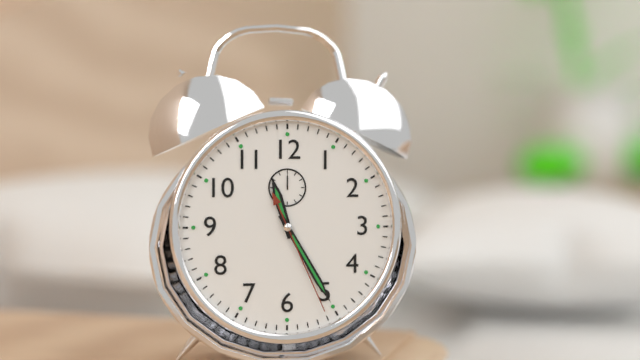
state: 11:25:26
